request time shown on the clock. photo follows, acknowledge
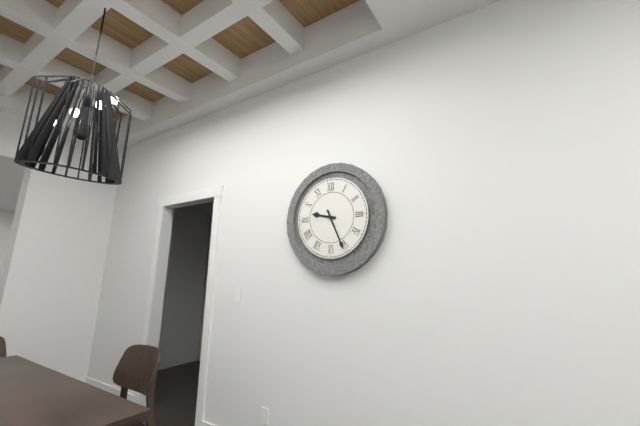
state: 9:26
